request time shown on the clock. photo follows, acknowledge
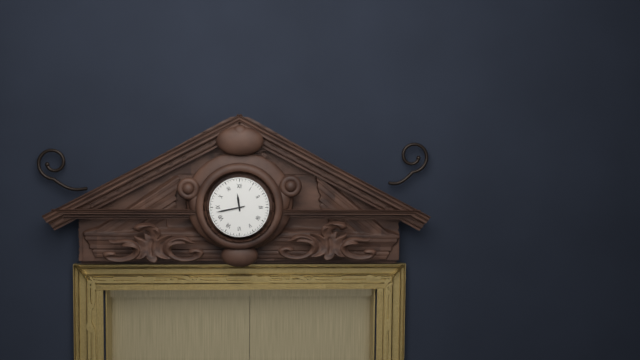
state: 11:43
